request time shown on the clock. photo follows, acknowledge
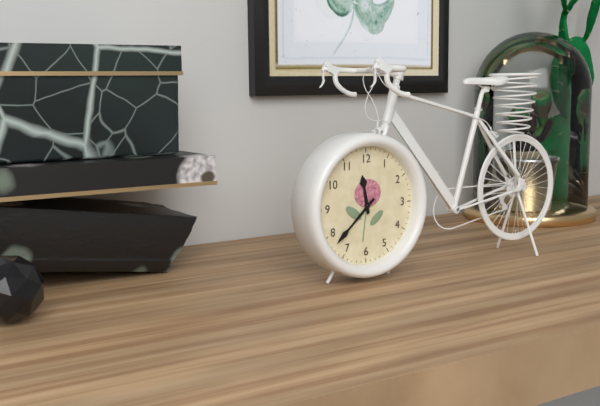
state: 11:38
